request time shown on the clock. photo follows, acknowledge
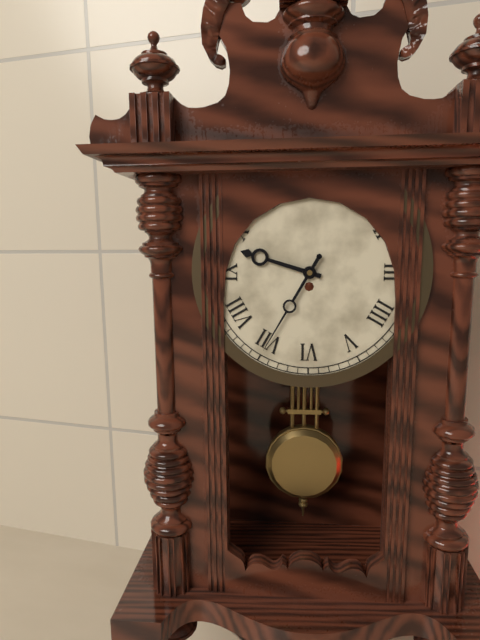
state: 9:35
